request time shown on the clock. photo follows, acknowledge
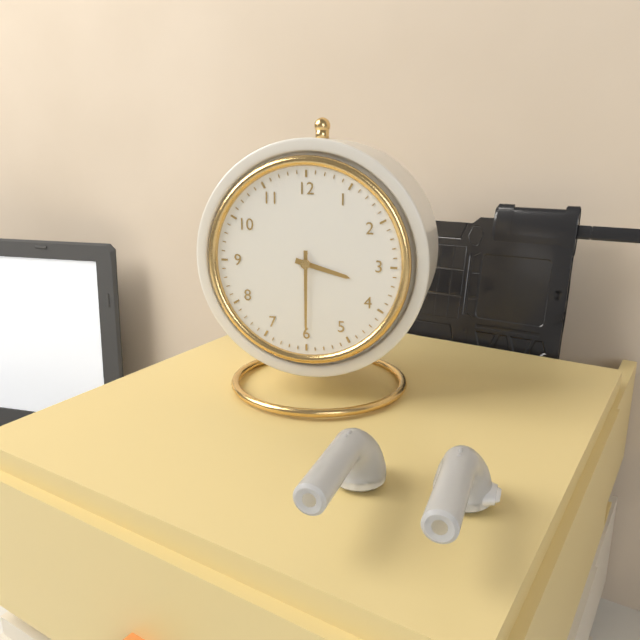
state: 3:30
